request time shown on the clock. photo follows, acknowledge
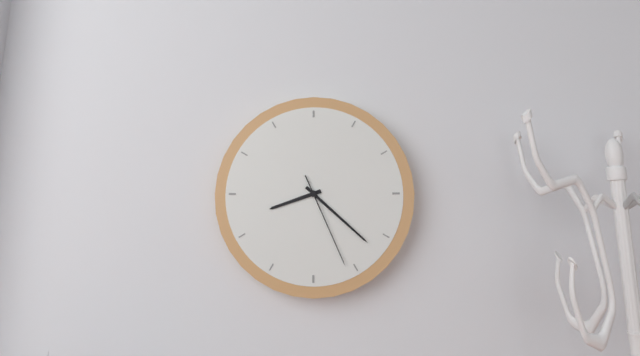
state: 8:22:26
